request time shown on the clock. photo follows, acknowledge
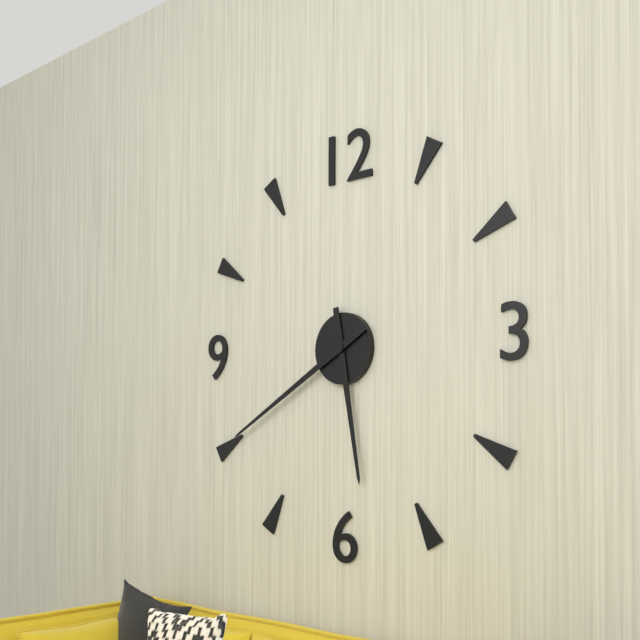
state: 5:40
